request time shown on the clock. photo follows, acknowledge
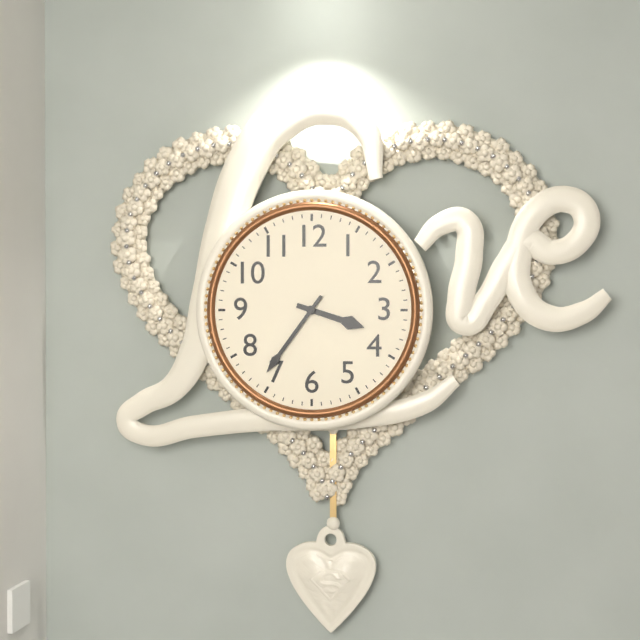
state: 3:36
